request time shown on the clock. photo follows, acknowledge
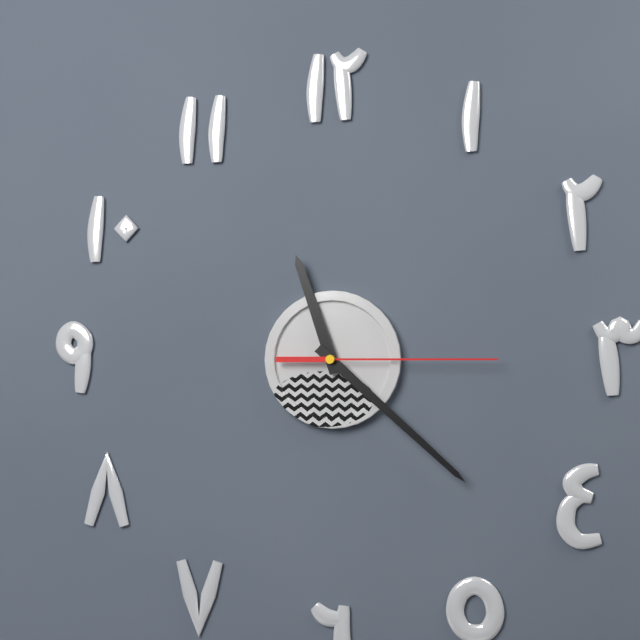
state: 11:22:15
